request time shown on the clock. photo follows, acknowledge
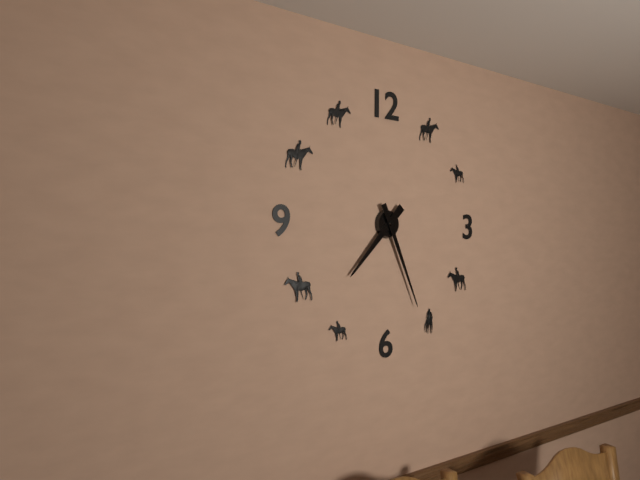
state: 7:26
